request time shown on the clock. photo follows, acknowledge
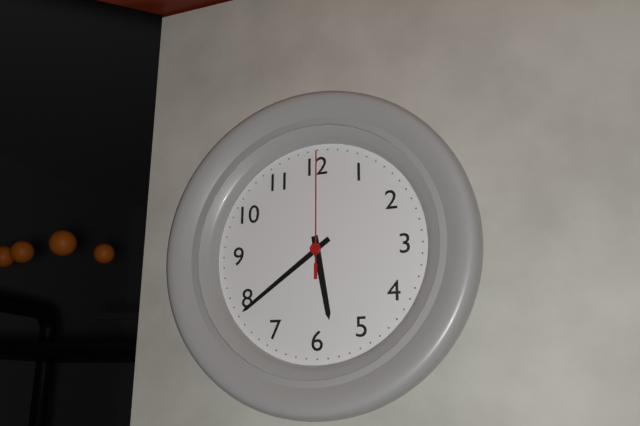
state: 5:39:00
